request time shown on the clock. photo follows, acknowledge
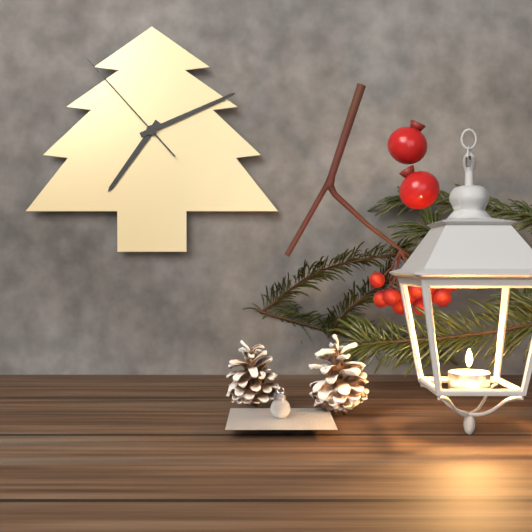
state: 7:11:53
